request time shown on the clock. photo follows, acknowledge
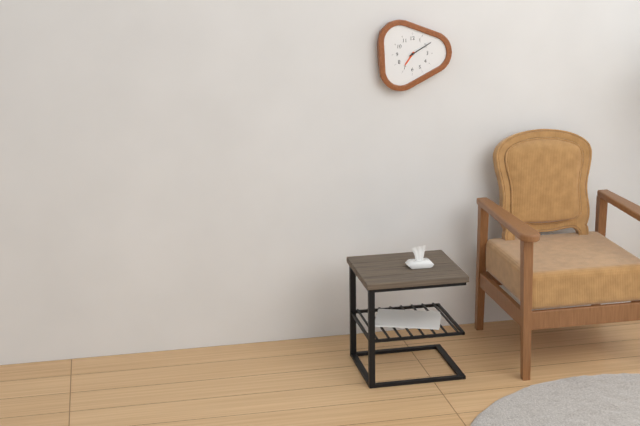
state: 7:10
